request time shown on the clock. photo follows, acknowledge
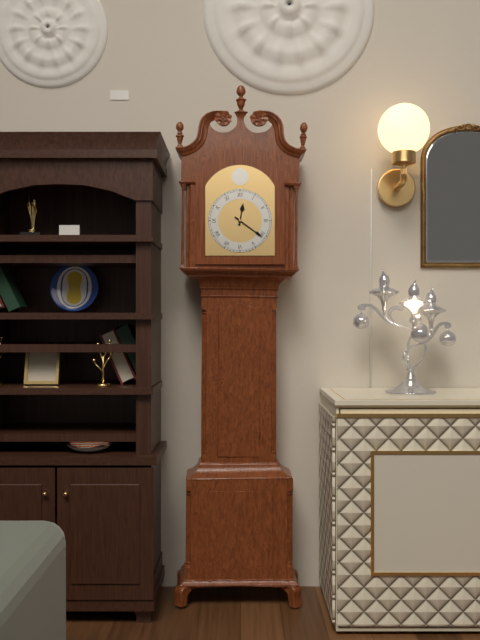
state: 12:21
